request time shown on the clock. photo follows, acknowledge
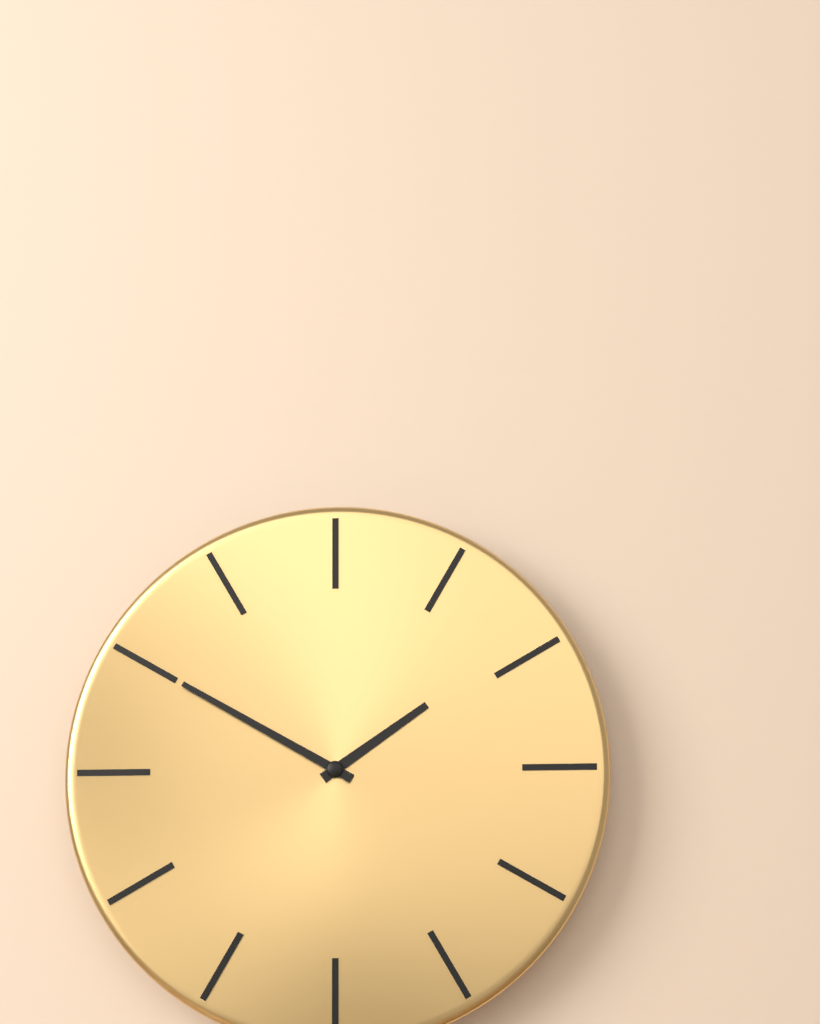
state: 1:50
